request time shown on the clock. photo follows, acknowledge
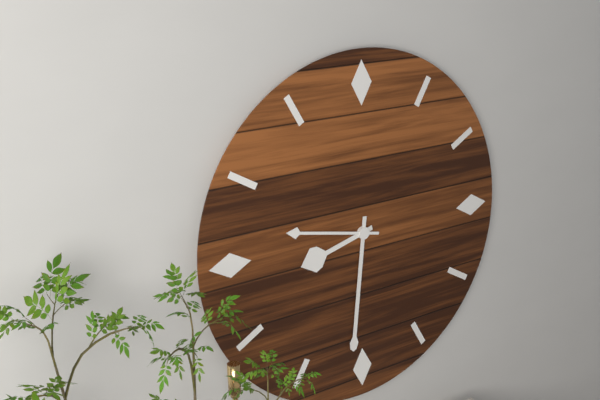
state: 8:31:47
